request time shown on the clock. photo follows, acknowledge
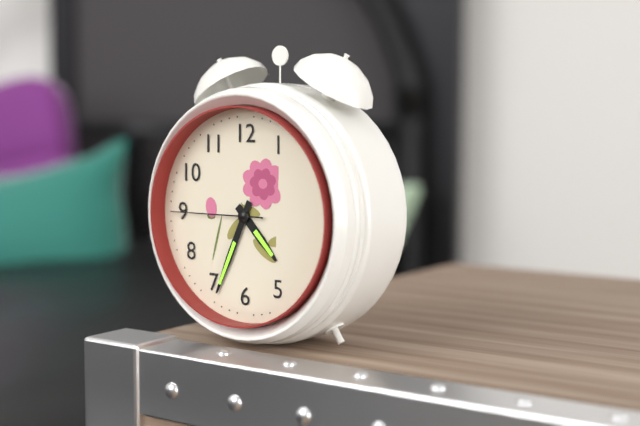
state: 4:34:45
